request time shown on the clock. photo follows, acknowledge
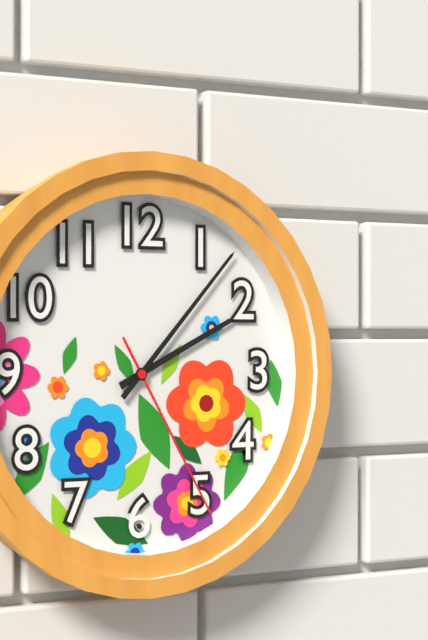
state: 2:07:25
